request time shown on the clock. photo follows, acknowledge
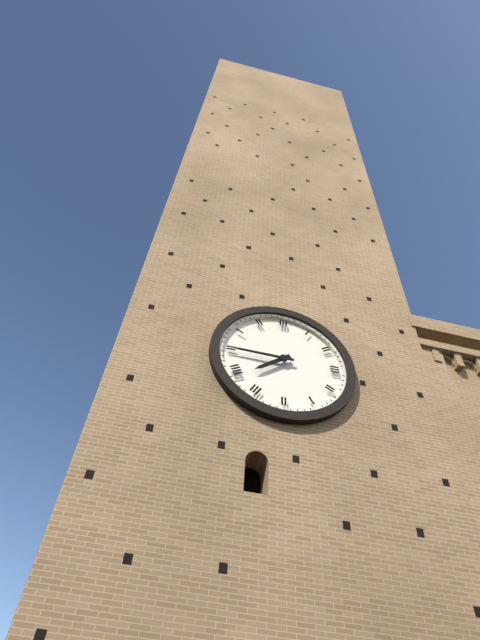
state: 7:45
